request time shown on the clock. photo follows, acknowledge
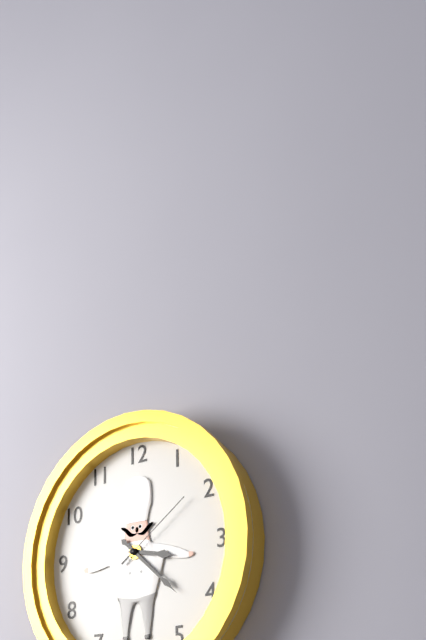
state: 3:22:09
